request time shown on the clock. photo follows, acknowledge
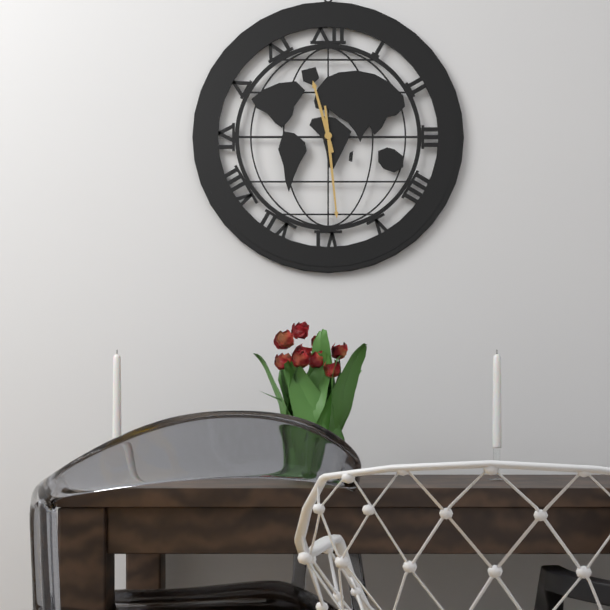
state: 11:29
